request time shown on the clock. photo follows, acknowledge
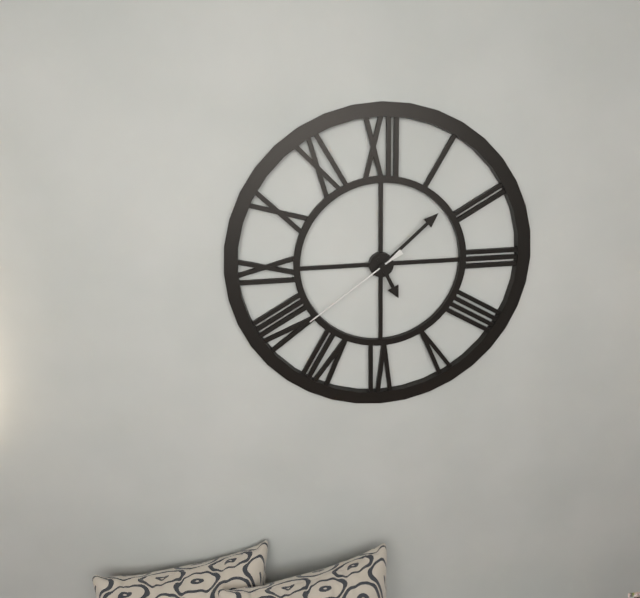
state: 5:08:39
